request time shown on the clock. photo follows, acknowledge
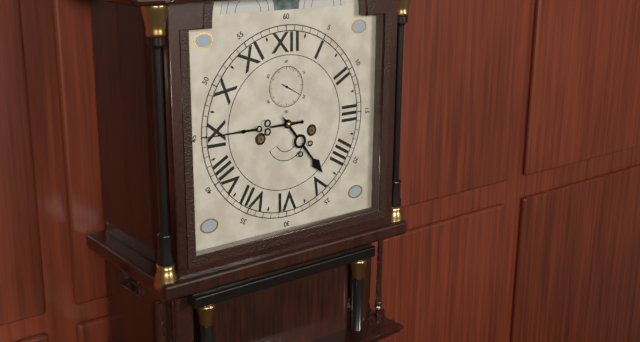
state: 4:45
